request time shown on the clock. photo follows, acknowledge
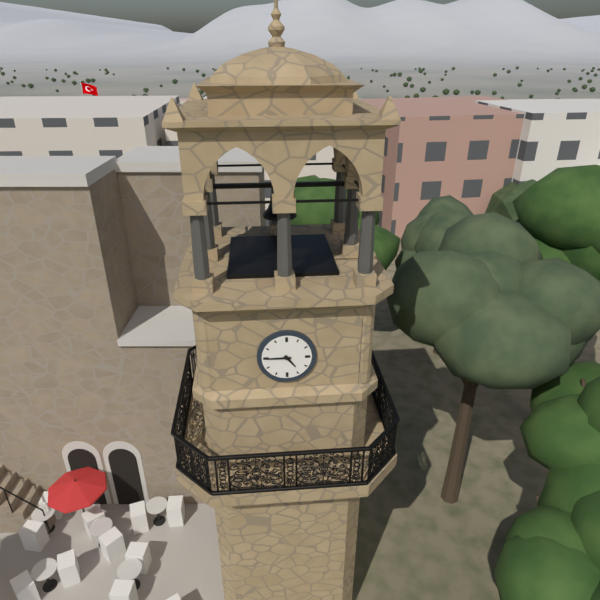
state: 4:45
